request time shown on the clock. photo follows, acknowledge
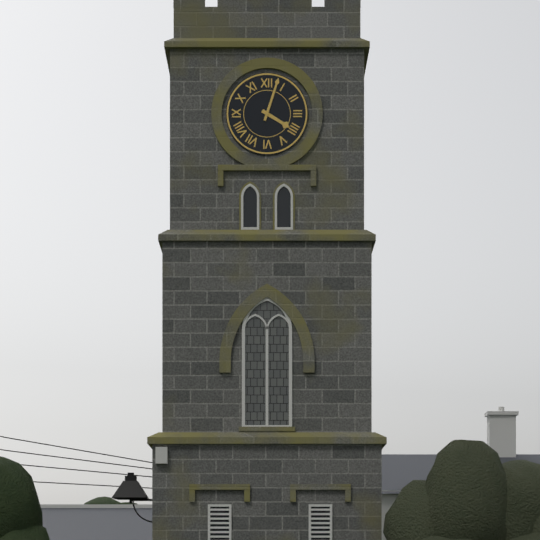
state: 4:03
